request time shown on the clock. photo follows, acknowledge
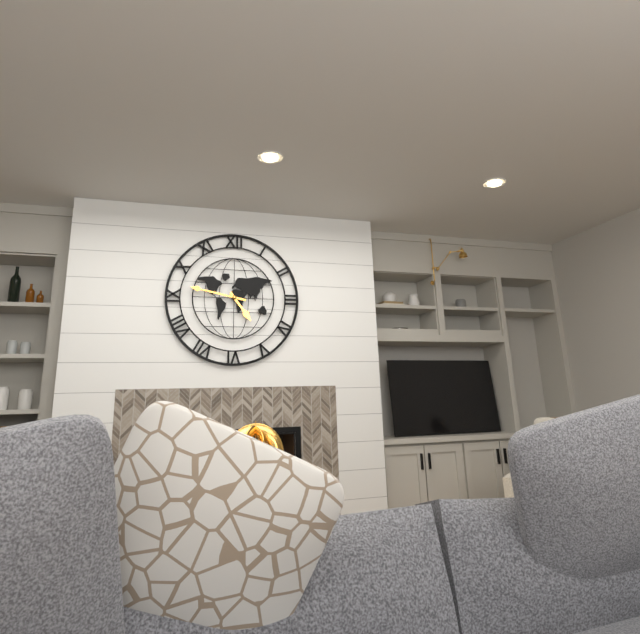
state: 4:47
